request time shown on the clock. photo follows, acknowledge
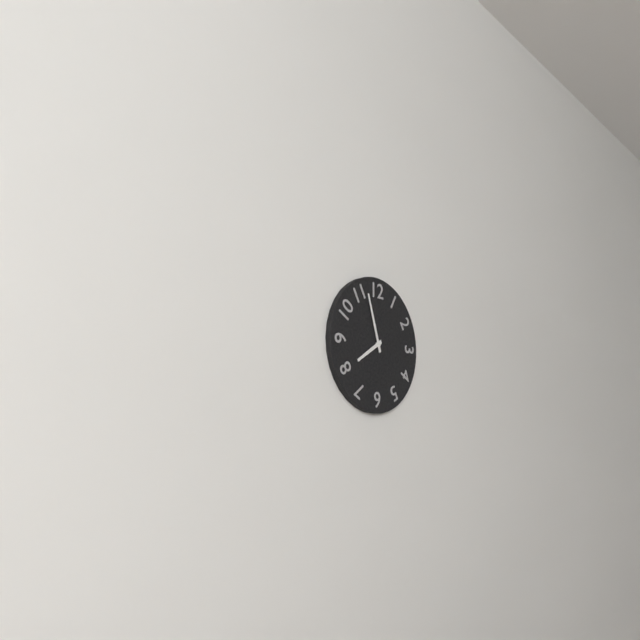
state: 7:57
